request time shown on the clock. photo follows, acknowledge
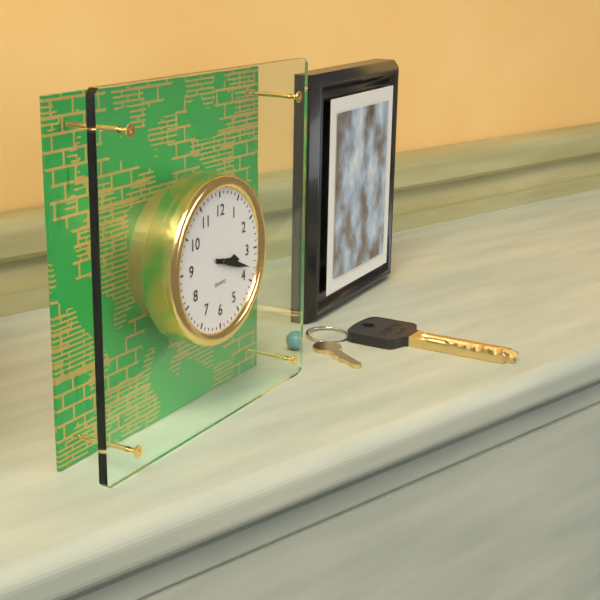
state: 3:18
